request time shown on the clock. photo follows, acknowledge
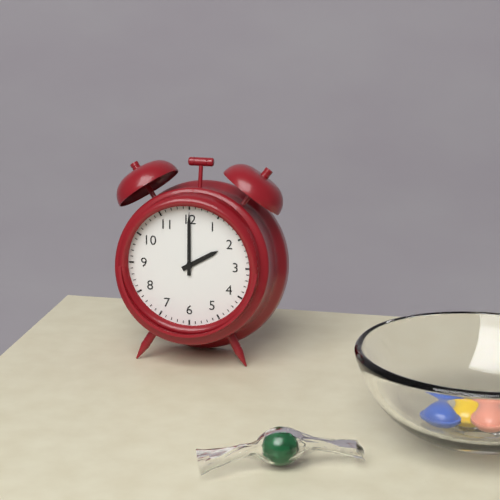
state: 2:00
